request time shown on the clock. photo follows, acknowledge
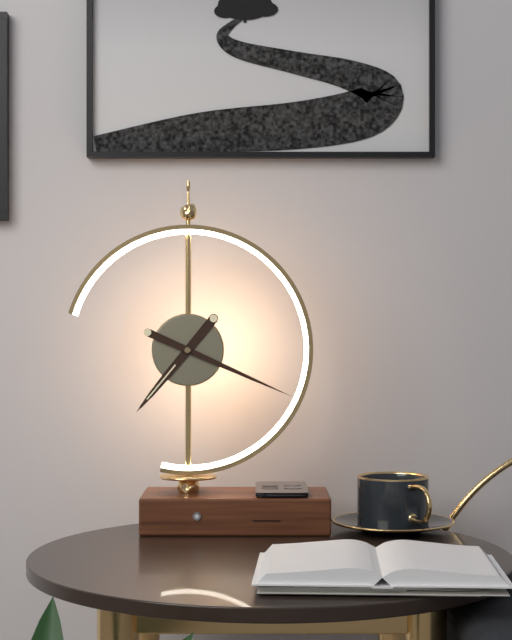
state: 7:19
